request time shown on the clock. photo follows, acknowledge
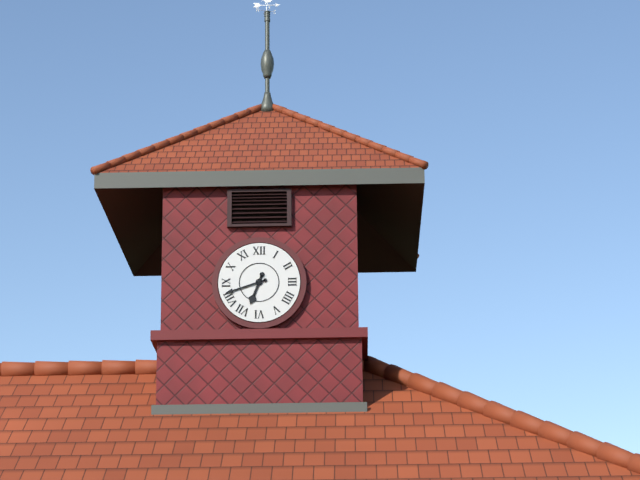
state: 6:42
